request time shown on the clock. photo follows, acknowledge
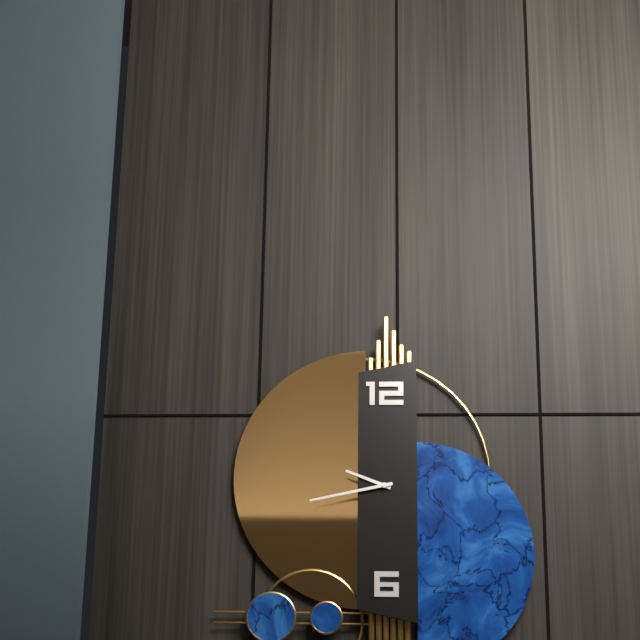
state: 9:43
